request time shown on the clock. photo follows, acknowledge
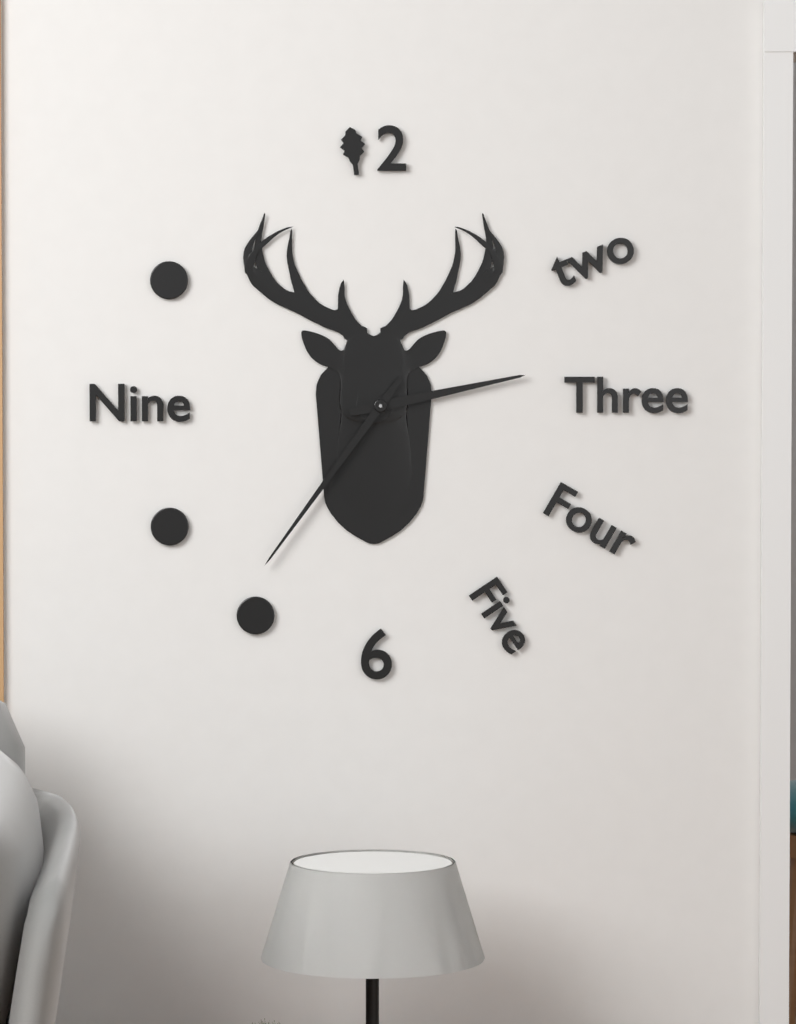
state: 2:36
